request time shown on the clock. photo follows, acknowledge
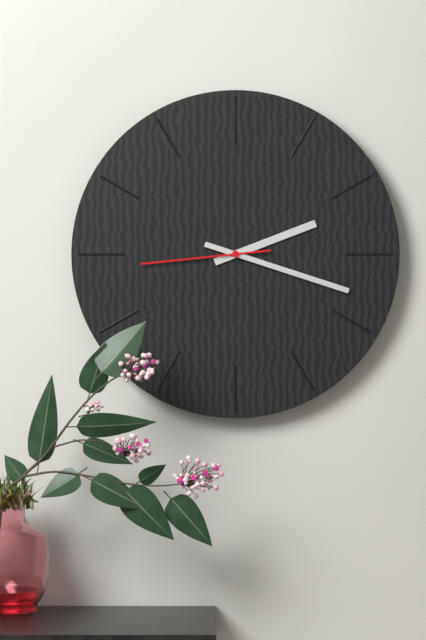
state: 2:18:44
